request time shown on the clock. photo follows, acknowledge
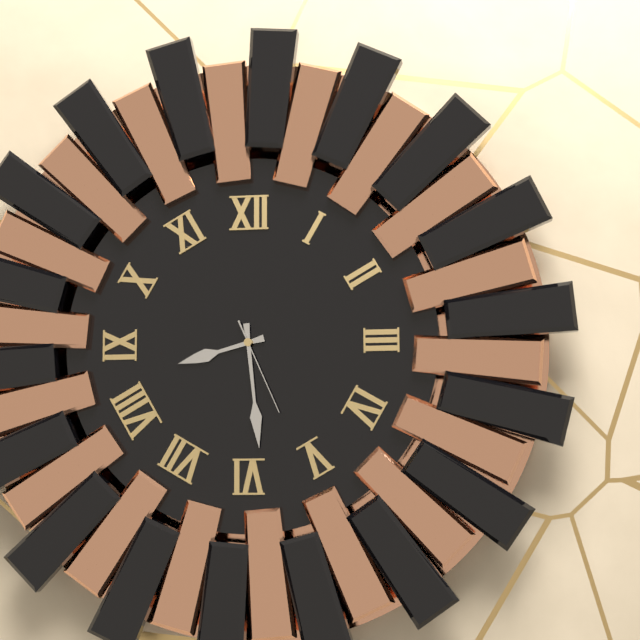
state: 8:29:26
